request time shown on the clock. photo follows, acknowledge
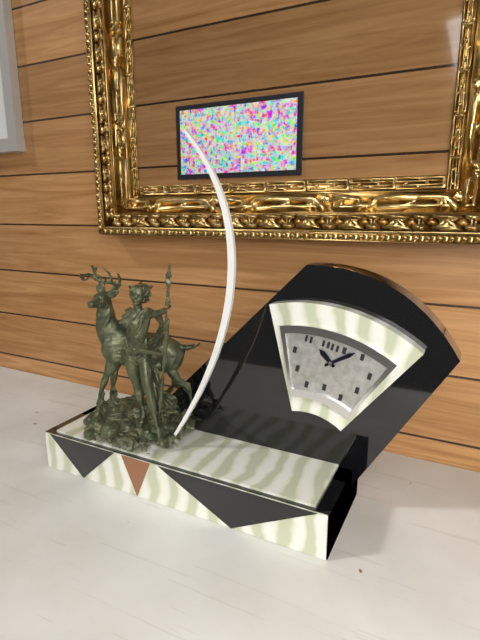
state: 10:08
